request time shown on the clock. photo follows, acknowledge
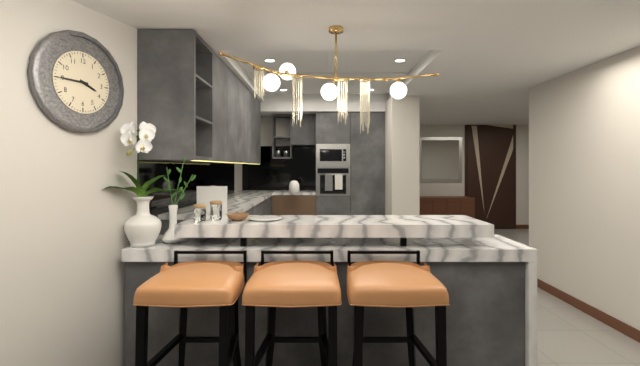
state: 3:45
